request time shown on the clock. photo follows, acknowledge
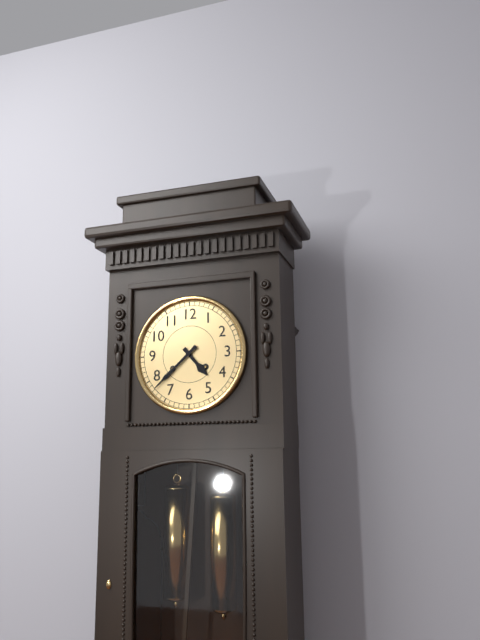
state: 4:38
